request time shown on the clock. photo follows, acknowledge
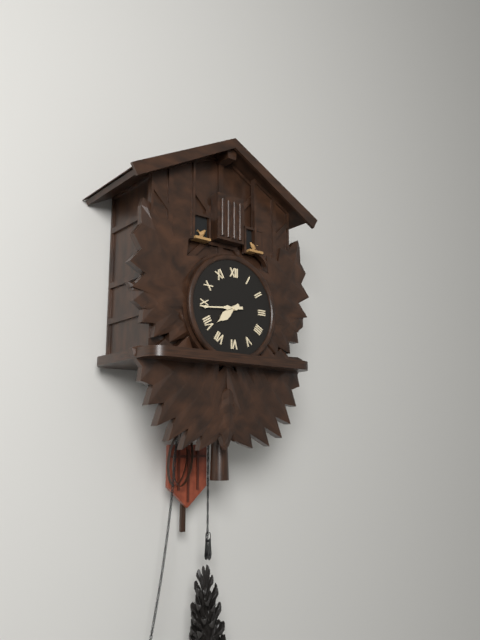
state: 7:44
